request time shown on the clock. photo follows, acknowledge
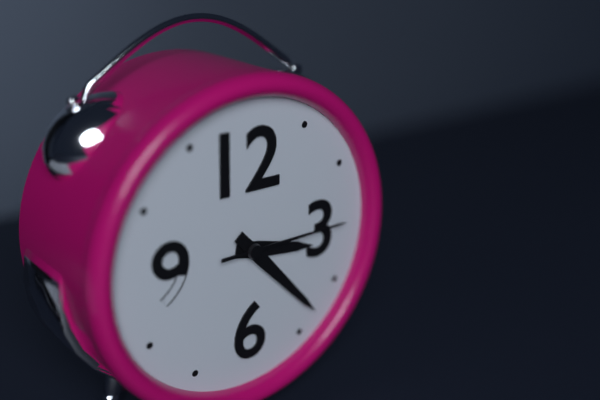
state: 3:23:15
